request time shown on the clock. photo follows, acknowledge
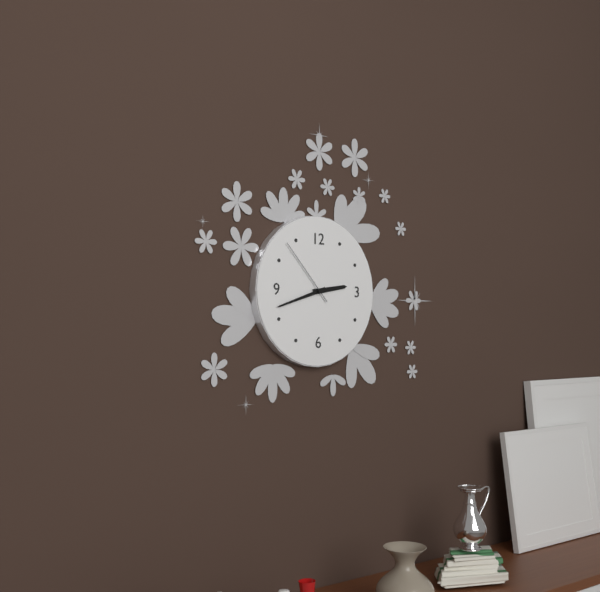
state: 2:42:53
